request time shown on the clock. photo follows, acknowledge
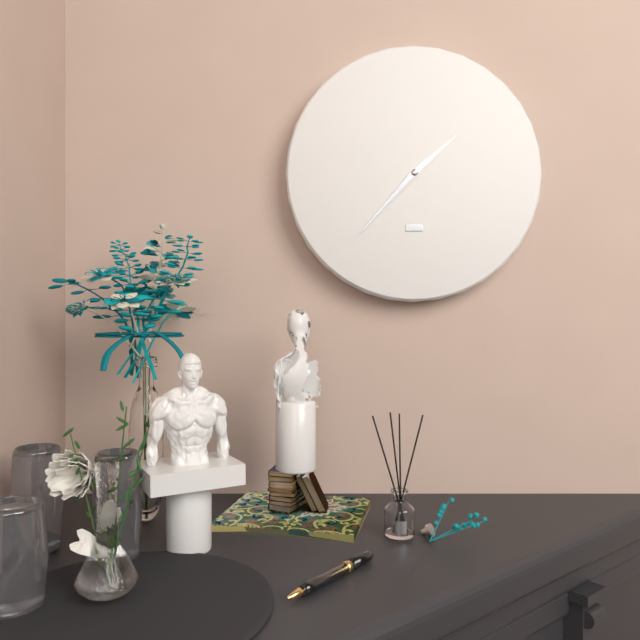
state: 1:37
